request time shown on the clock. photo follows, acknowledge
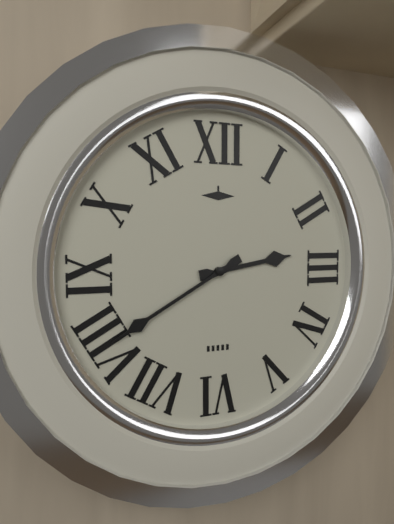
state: 2:40
